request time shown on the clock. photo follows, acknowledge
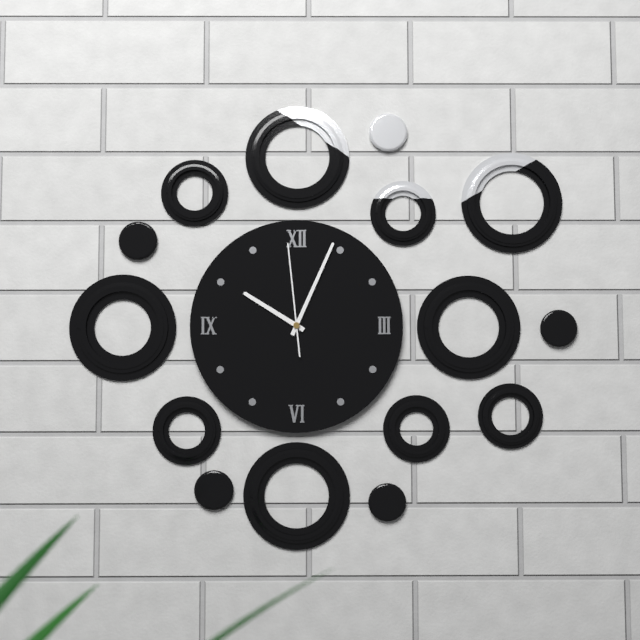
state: 10:04:59
